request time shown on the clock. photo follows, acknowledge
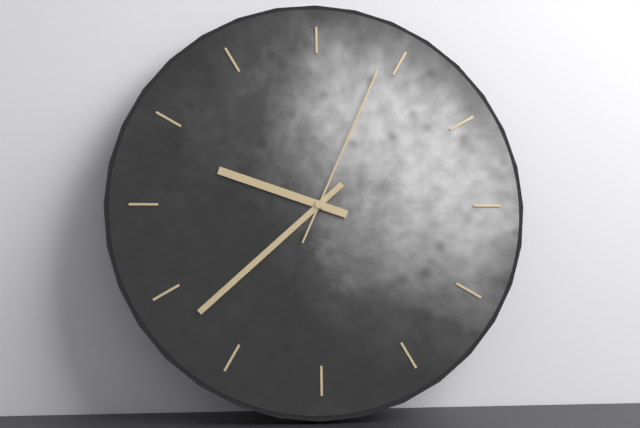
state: 9:38:04
